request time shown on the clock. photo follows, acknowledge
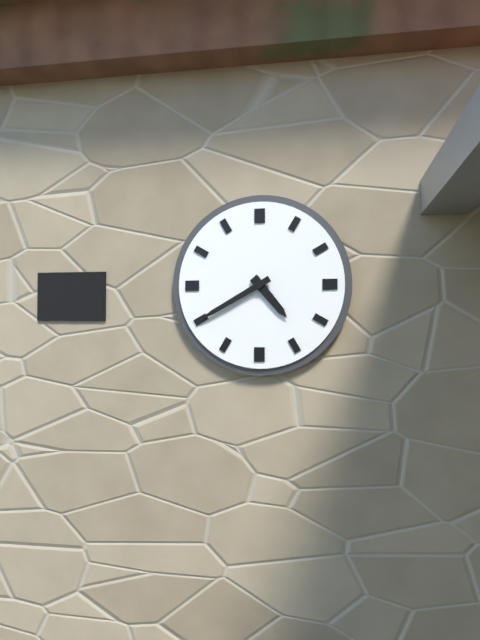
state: 4:40
